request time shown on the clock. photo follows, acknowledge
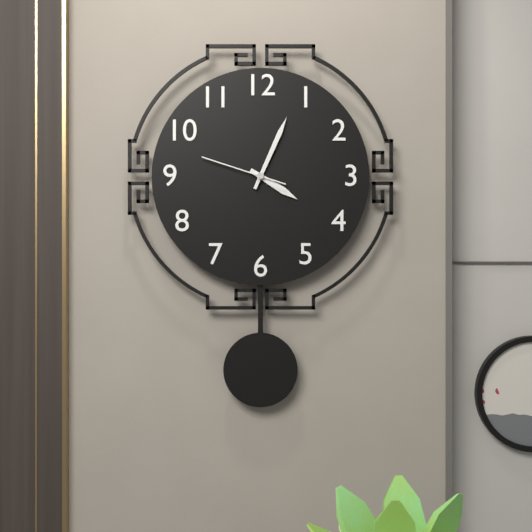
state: 4:04:48
